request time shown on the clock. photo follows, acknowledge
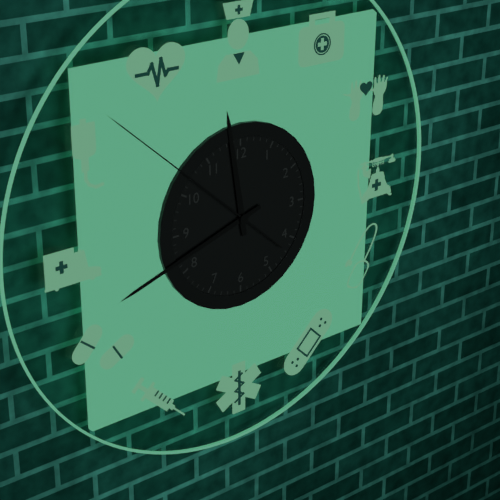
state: 11:42:52
